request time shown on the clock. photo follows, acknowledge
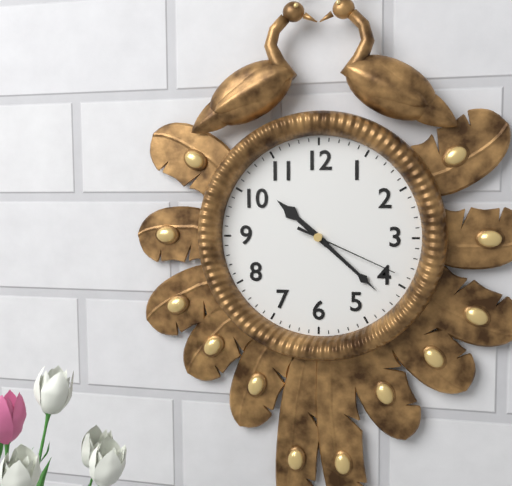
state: 10:22:19
